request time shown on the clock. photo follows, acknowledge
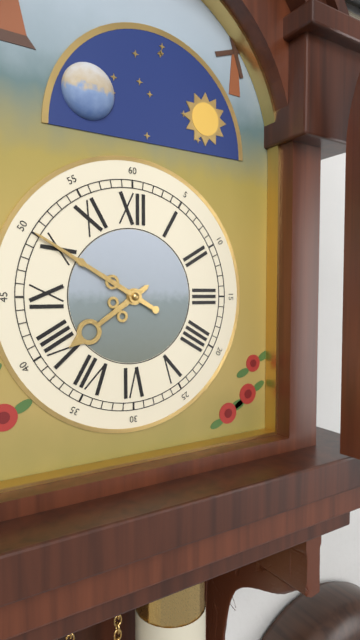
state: 7:50
